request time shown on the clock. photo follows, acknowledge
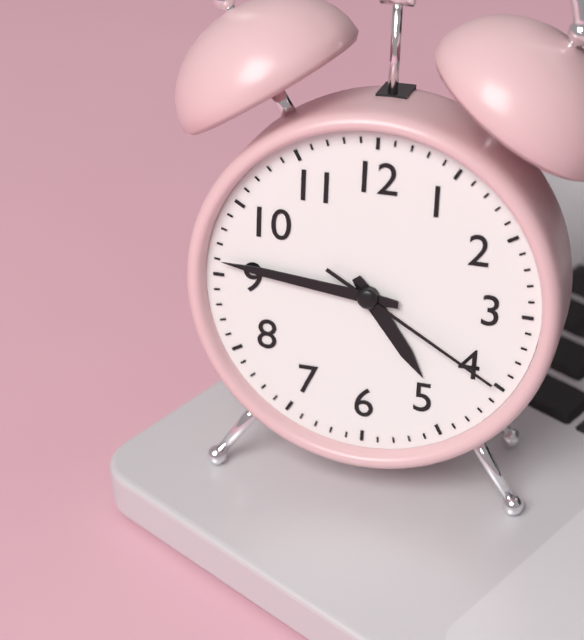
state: 4:46:20
